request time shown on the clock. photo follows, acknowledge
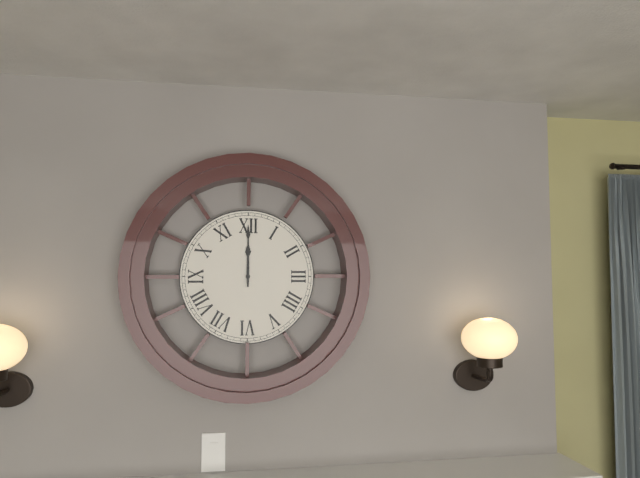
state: 12:00
